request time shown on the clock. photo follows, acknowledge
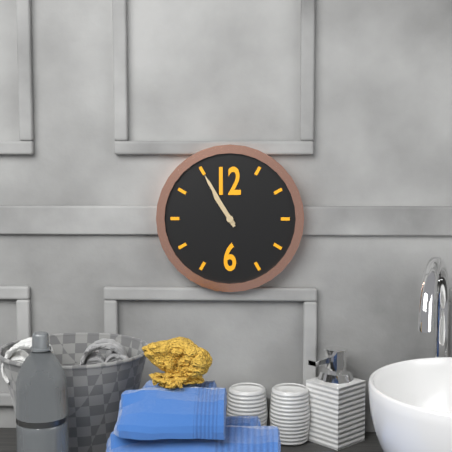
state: 10:55
